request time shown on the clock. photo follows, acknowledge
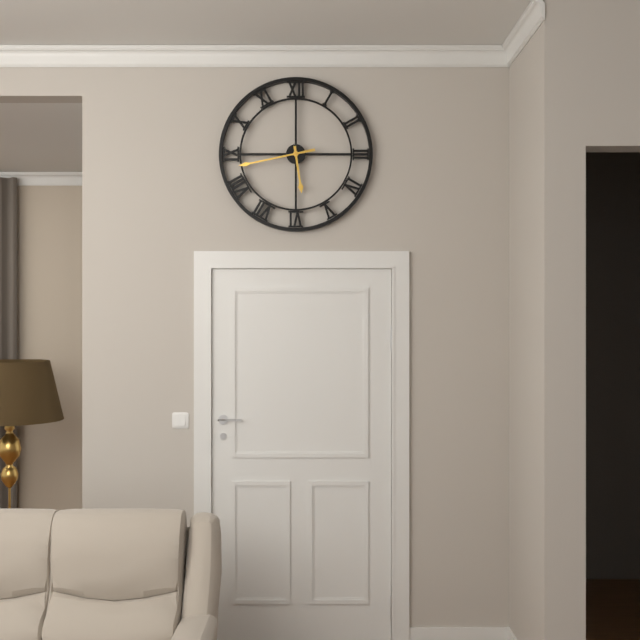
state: 5:43
